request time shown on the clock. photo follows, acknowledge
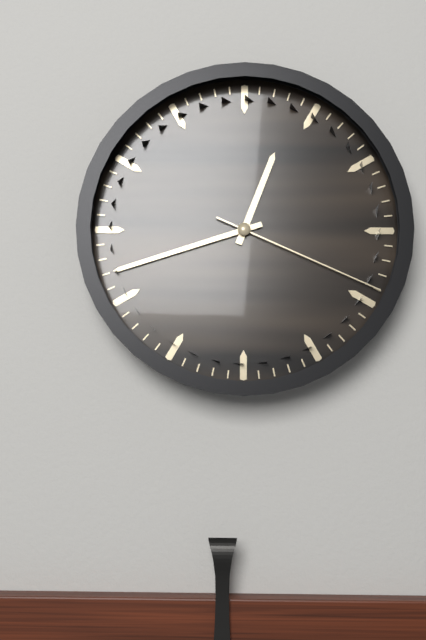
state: 12:42:19
